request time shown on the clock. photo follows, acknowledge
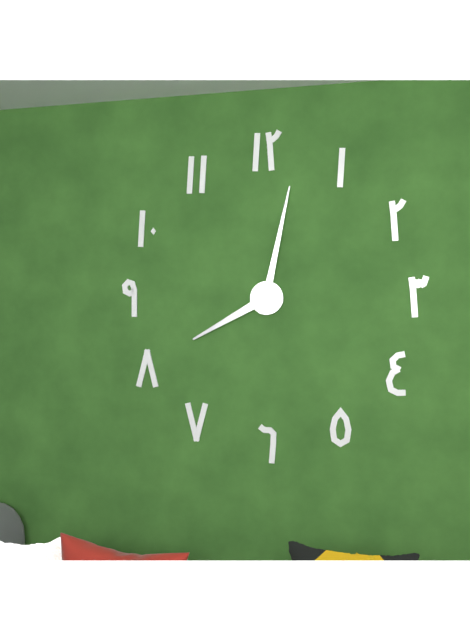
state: 8:02
